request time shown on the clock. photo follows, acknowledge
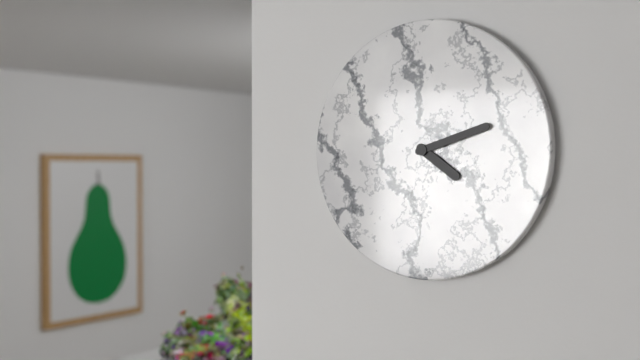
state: 4:12
